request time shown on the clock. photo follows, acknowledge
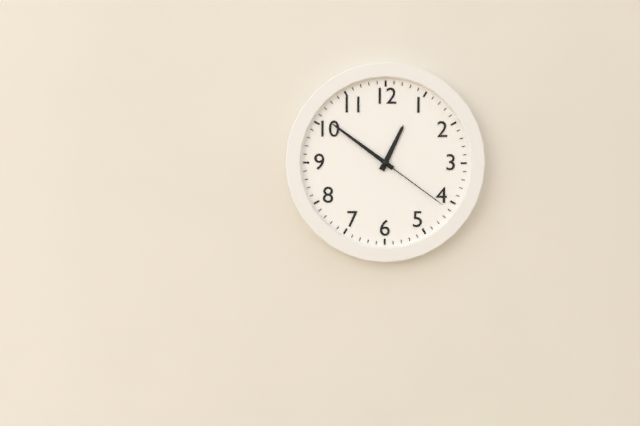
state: 12:51:21
